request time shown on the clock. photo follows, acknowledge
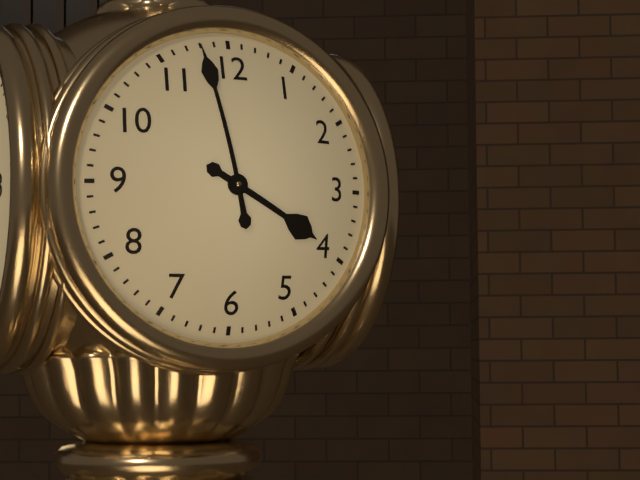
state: 3:58
